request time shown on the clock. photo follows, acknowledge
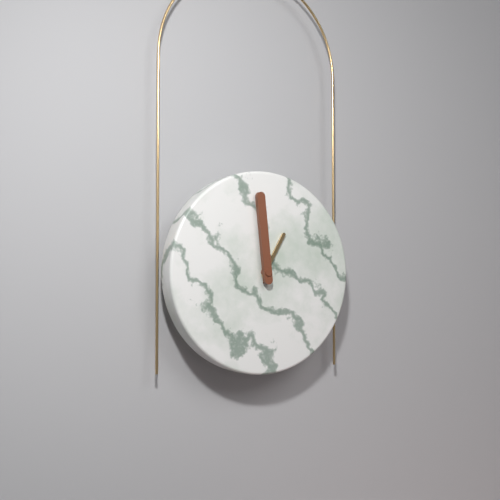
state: 12:59
